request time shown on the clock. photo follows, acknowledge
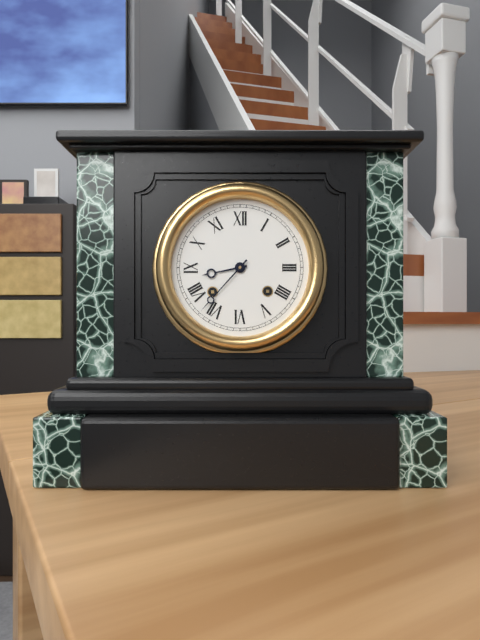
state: 8:37
